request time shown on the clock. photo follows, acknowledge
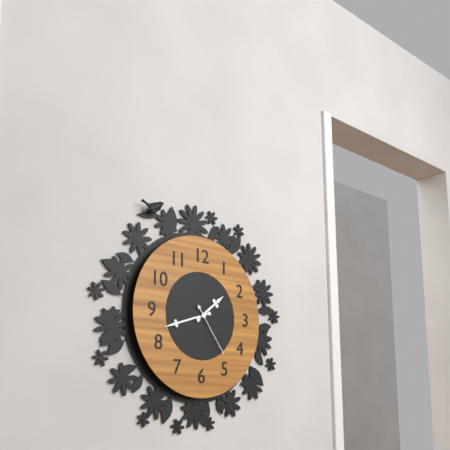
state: 1:42:24
